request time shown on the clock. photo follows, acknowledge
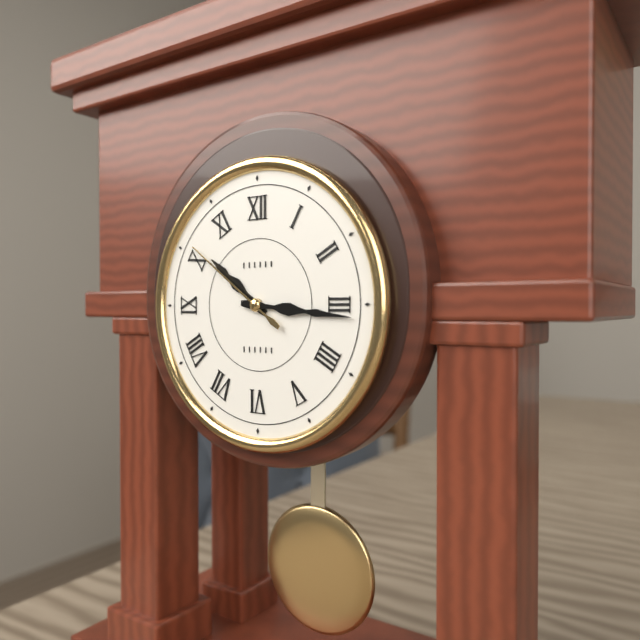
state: 10:16:51
